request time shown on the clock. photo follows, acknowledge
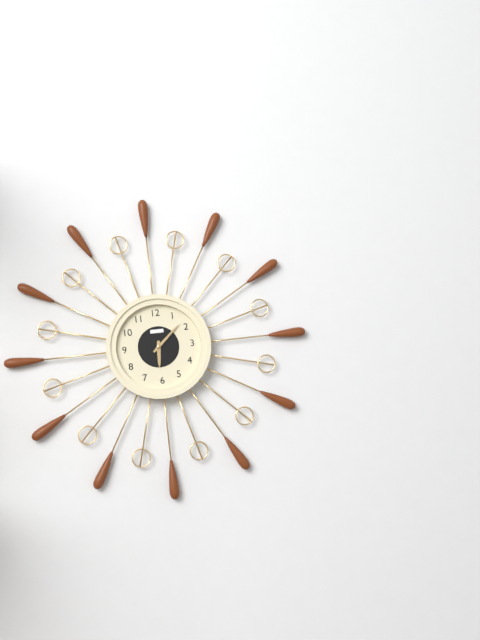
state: 6:08
